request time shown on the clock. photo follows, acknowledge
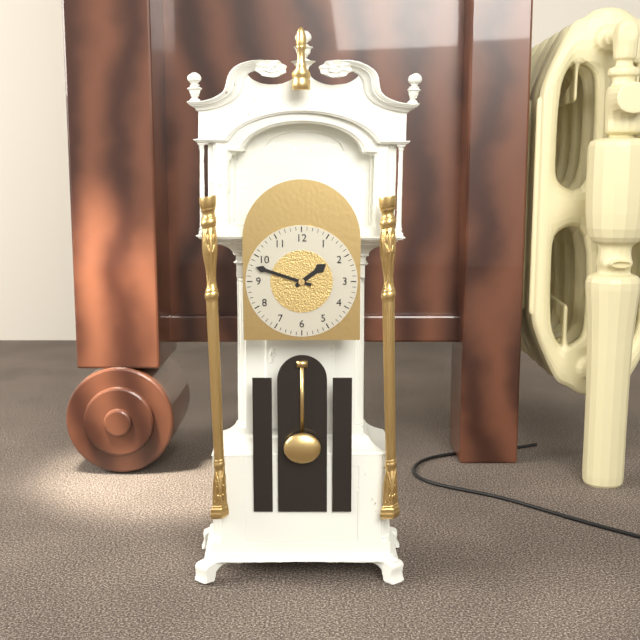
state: 1:48
